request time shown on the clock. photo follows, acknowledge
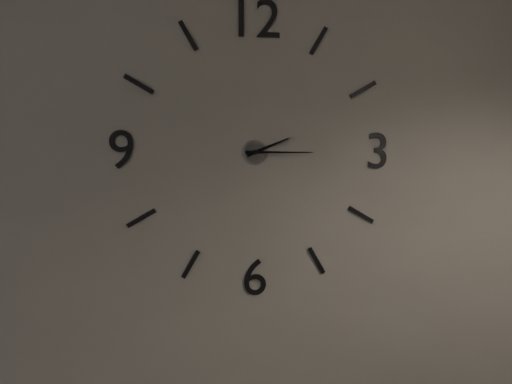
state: 2:15
